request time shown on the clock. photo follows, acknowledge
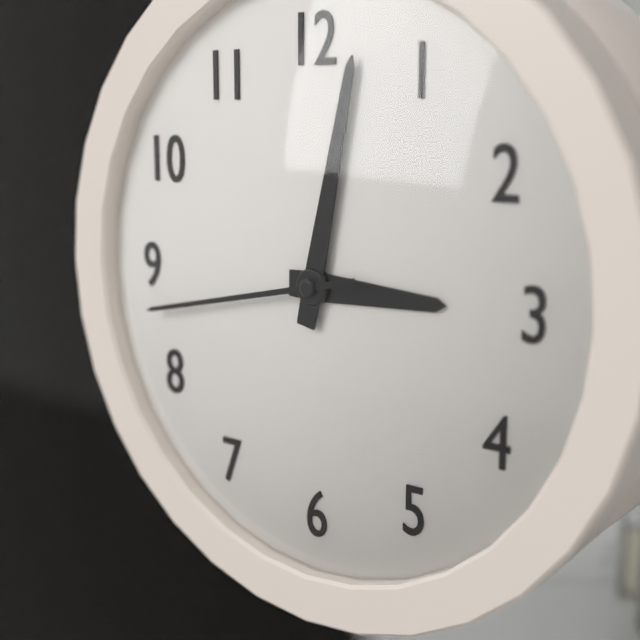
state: 3:02:43
